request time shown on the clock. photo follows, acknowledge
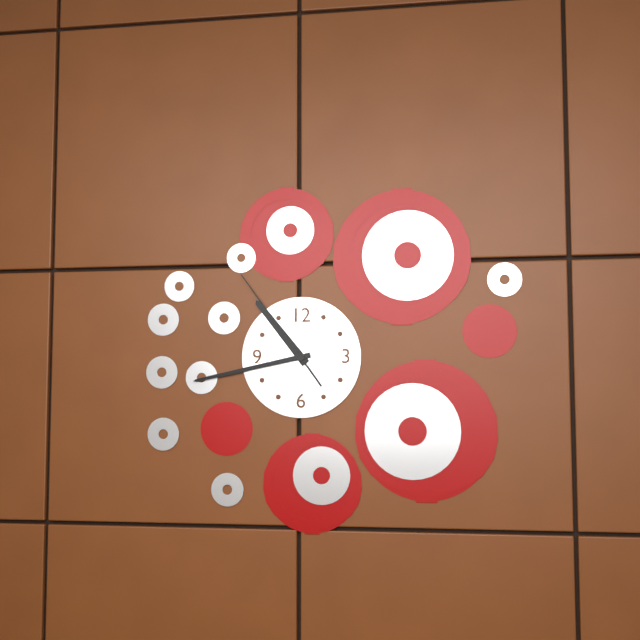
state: 10:43:54
